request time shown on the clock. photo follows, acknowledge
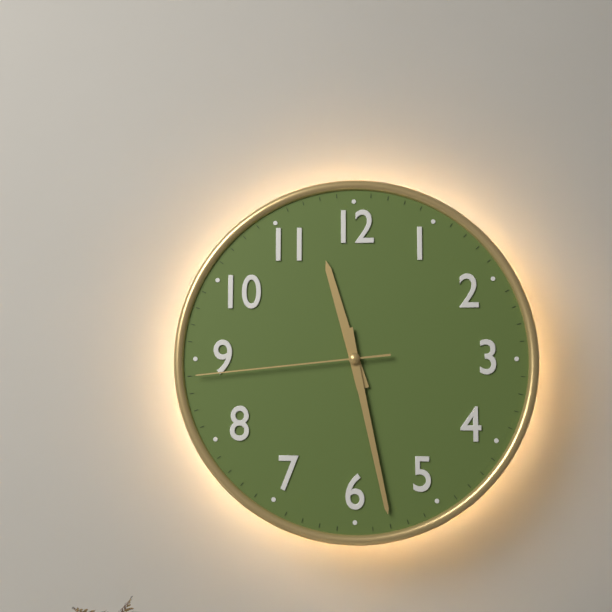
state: 11:28:44
